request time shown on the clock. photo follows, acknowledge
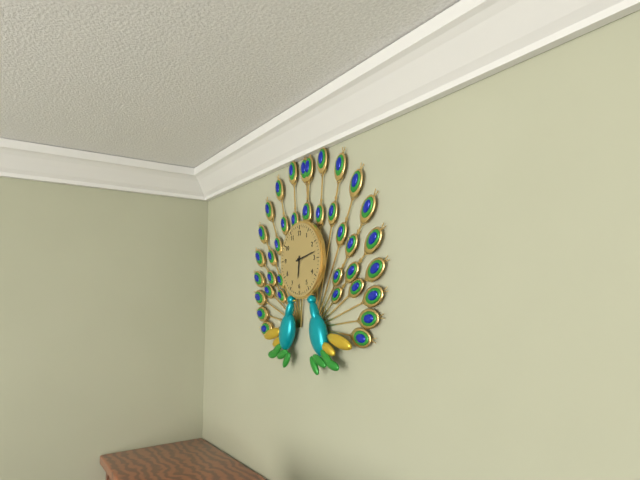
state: 6:13
